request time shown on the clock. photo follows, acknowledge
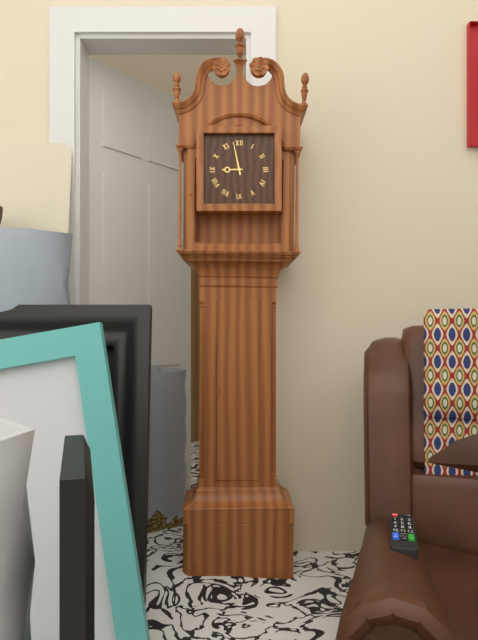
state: 8:58
